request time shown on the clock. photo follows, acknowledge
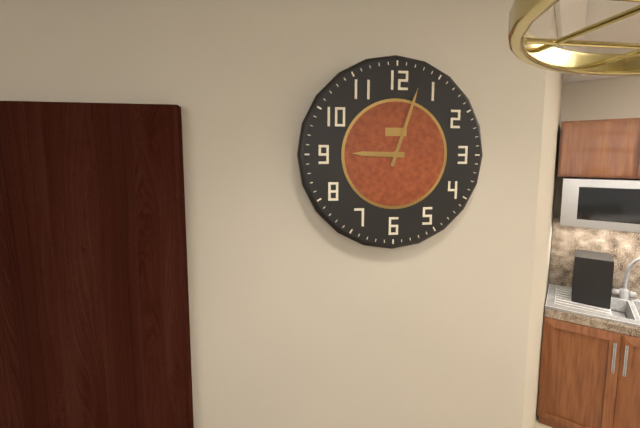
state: 9:03
